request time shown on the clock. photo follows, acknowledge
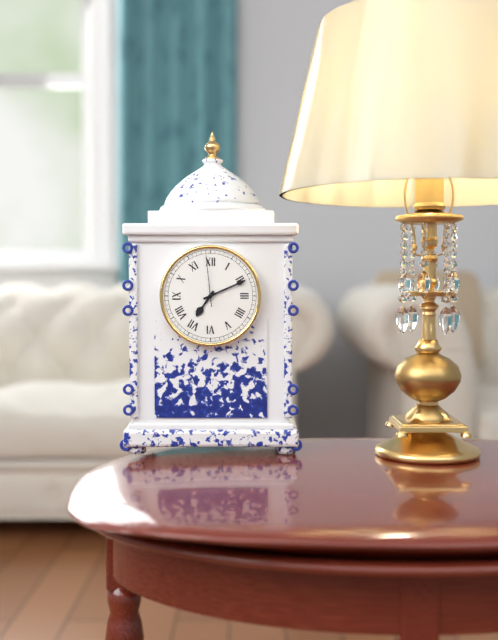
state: 7:11:59
